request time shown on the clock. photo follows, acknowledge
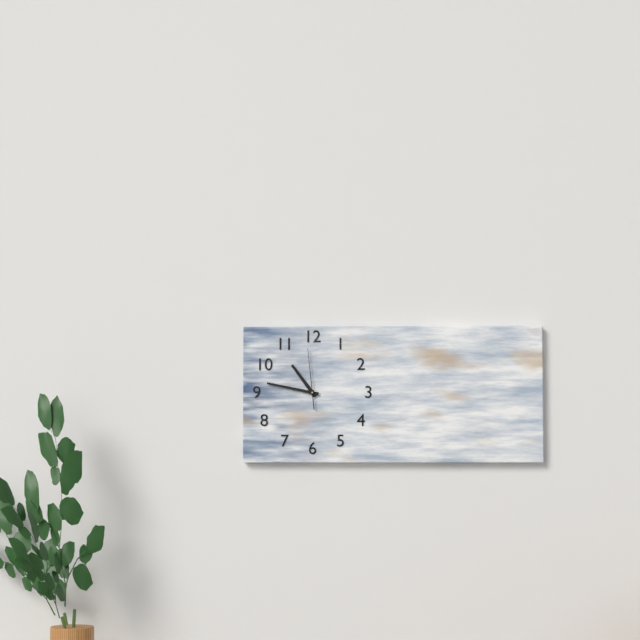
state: 10:47:59
